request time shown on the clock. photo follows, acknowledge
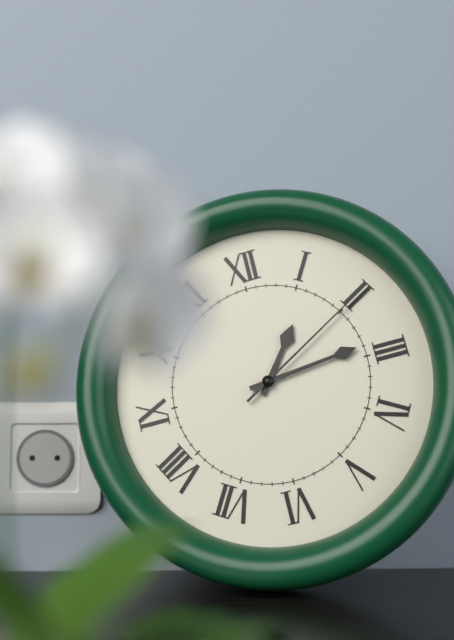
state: 1:14:10
